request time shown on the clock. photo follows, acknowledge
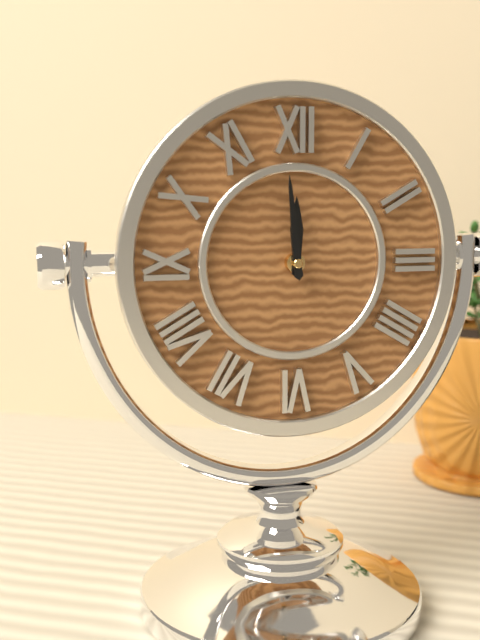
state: 11:59
